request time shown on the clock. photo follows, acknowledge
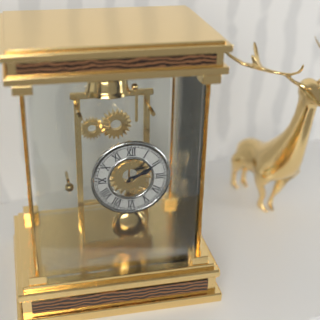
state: 2:10
